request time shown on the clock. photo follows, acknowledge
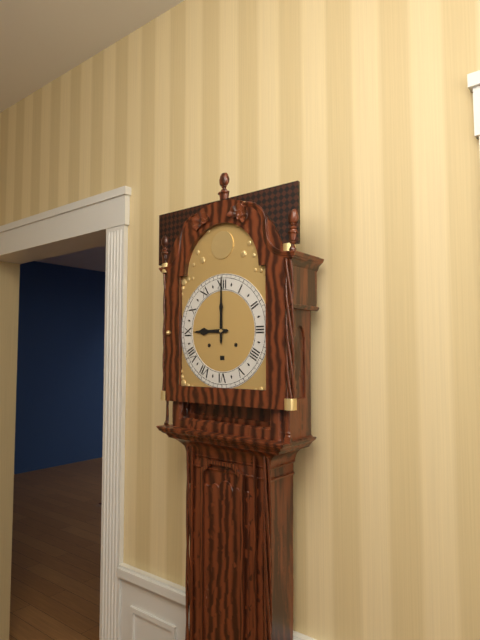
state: 9:00
